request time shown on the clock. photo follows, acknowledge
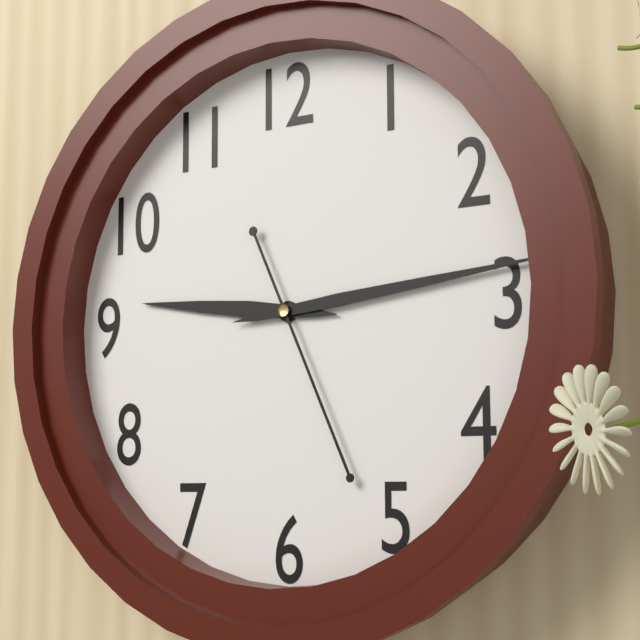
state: 9:14:26
